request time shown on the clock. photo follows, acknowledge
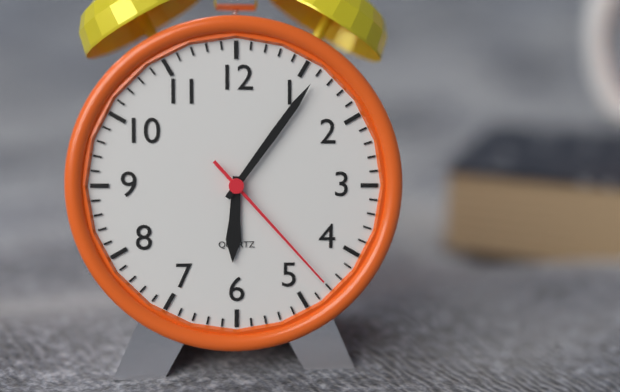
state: 6:06:23
